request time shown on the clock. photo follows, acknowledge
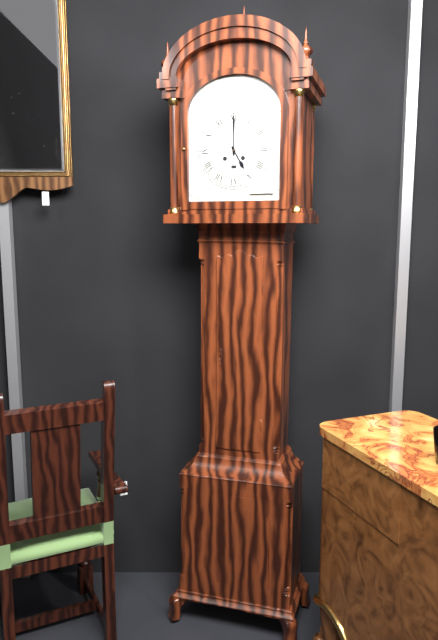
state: 5:00
